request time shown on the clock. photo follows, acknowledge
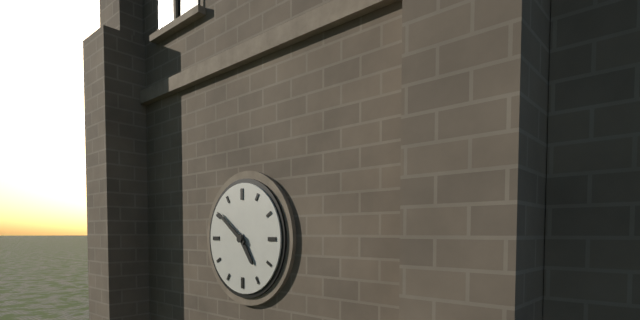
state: 4:51
